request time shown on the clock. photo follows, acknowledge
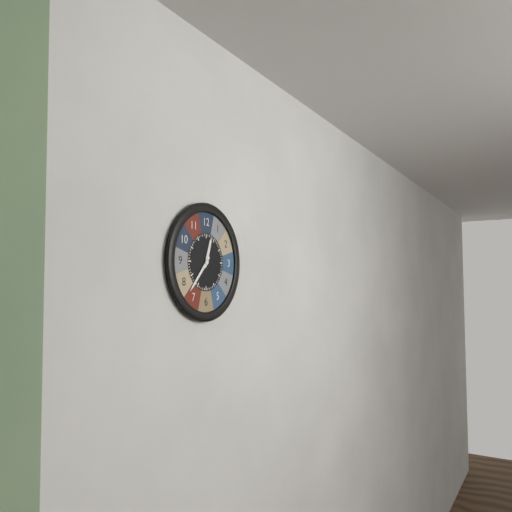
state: 12:37
